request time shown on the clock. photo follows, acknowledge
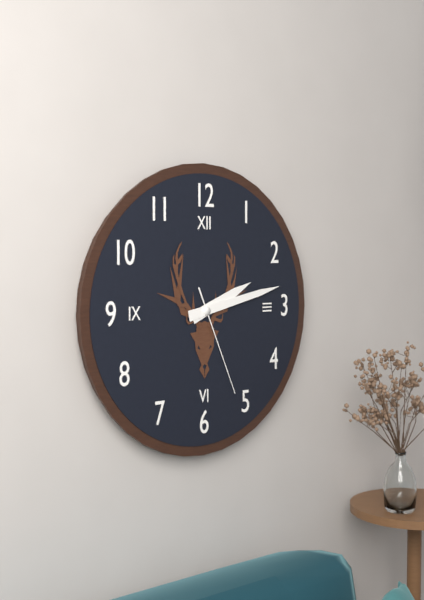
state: 2:13:26
